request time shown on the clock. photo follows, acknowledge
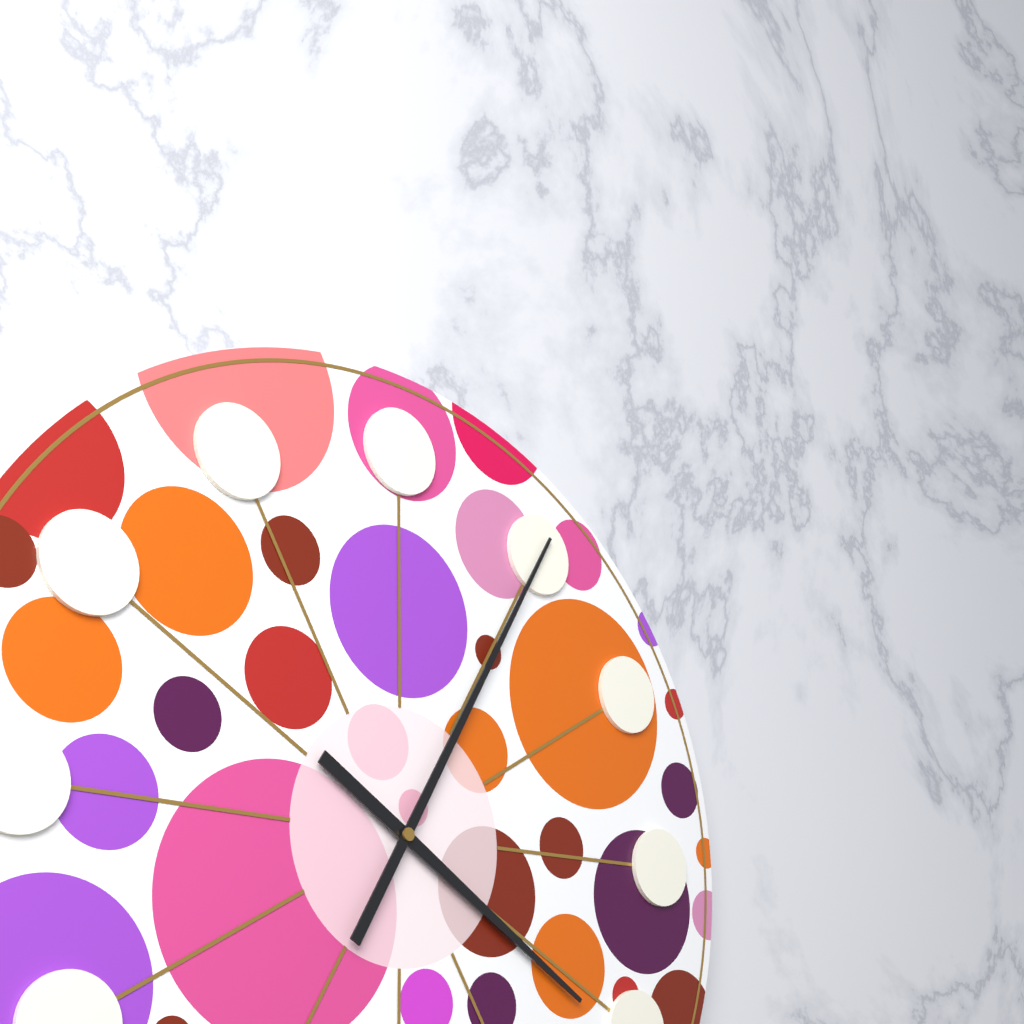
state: 4:05
